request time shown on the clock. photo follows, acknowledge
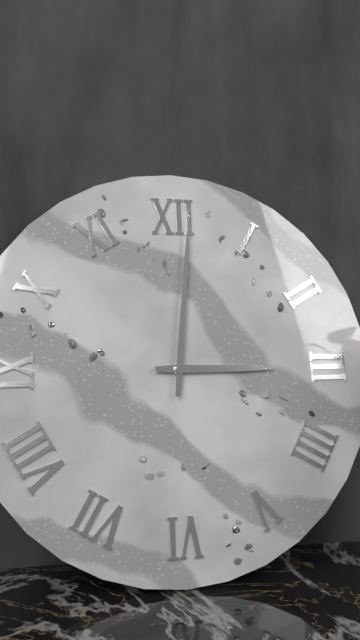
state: 3:01
